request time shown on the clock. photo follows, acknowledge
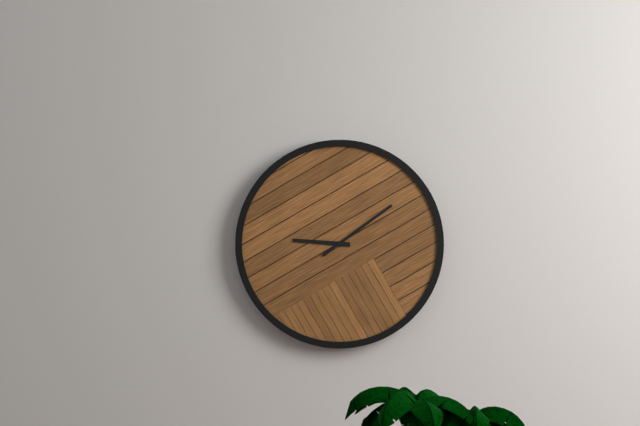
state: 9:09
